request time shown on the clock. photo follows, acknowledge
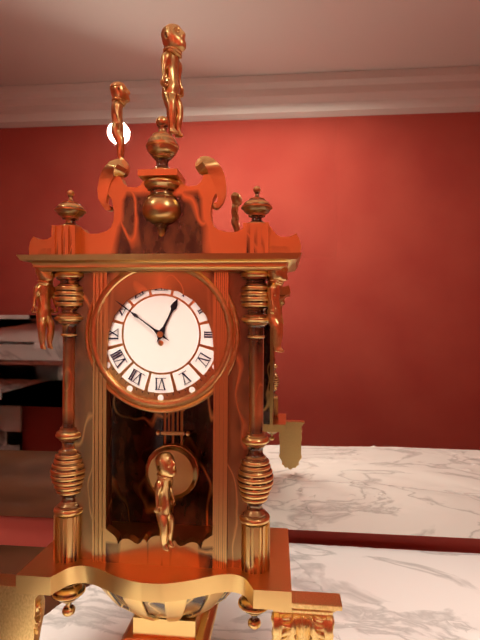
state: 12:51
